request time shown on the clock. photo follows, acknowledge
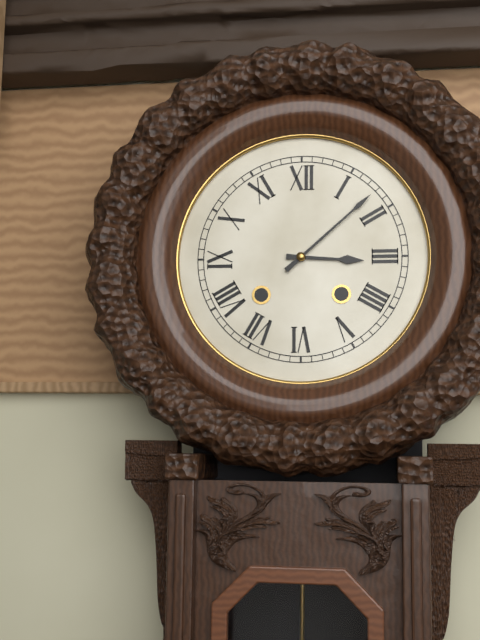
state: 3:08
